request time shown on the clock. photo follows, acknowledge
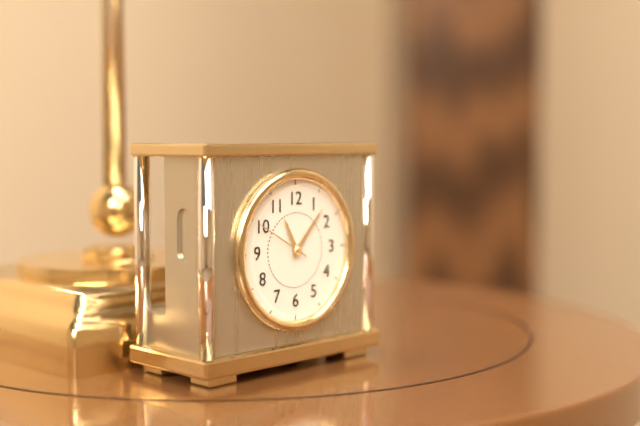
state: 11:07
